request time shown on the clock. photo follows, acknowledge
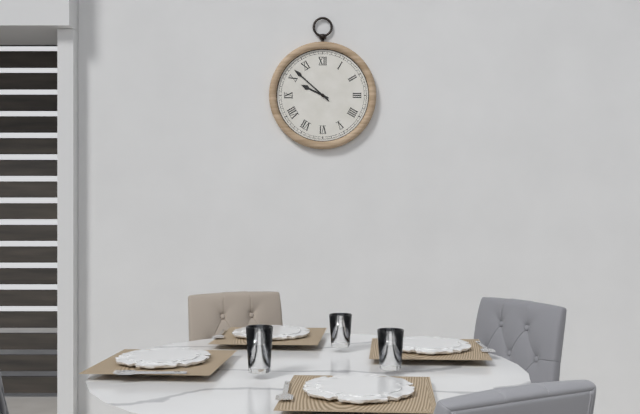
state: 9:52
